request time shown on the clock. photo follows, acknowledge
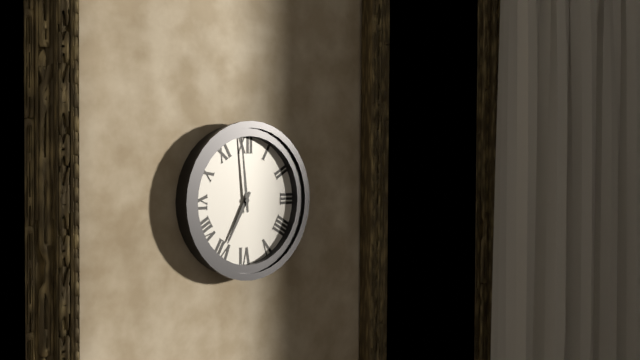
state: 6:59
